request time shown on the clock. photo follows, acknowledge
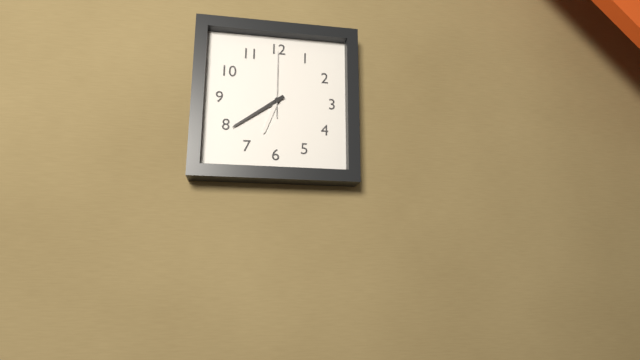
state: 6:39:00
